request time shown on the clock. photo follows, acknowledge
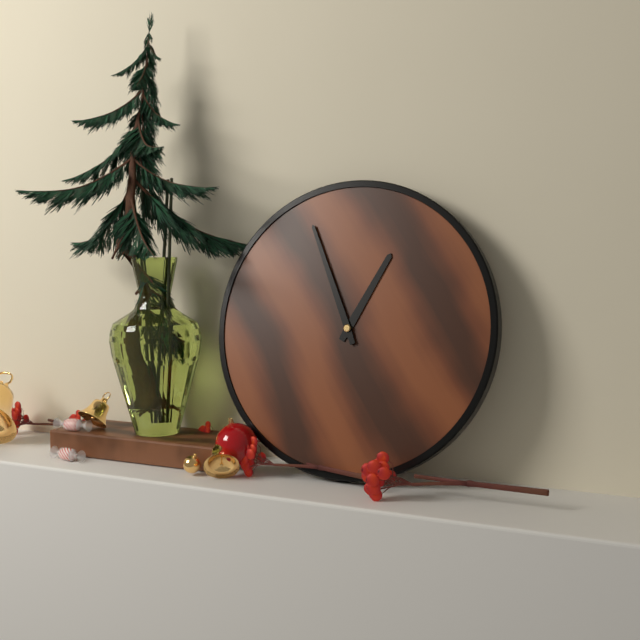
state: 12:56
